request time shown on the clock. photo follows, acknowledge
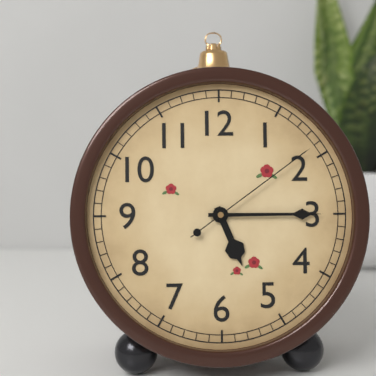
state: 5:15:09
